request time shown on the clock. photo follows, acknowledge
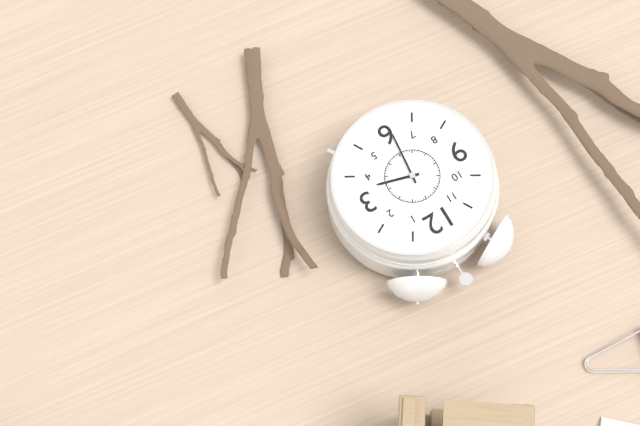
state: 3:31
